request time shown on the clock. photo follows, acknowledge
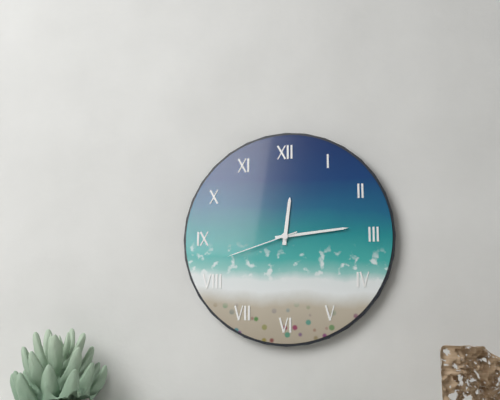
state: 12:14:42
